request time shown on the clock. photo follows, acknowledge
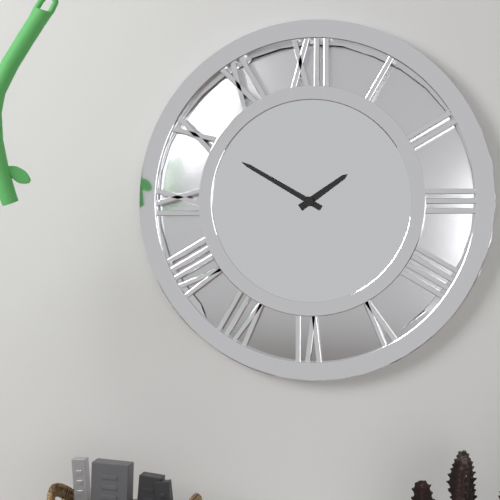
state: 1:50
